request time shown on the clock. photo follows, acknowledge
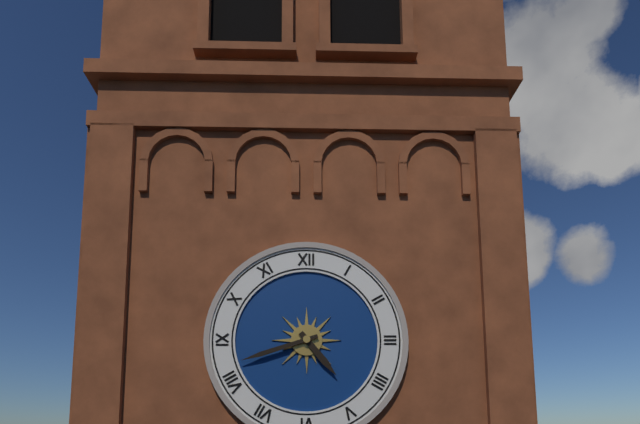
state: 4:42
